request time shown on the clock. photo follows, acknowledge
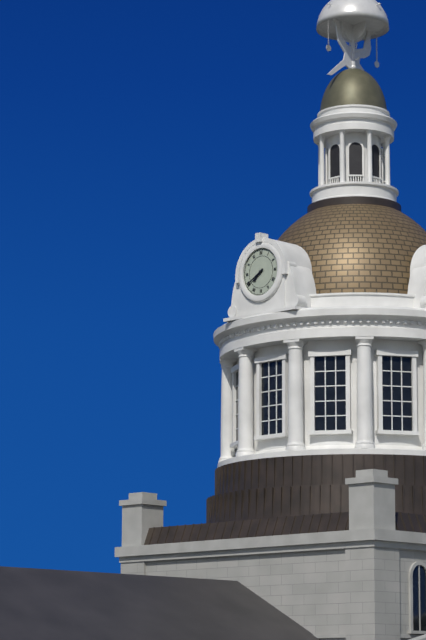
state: 7:40
